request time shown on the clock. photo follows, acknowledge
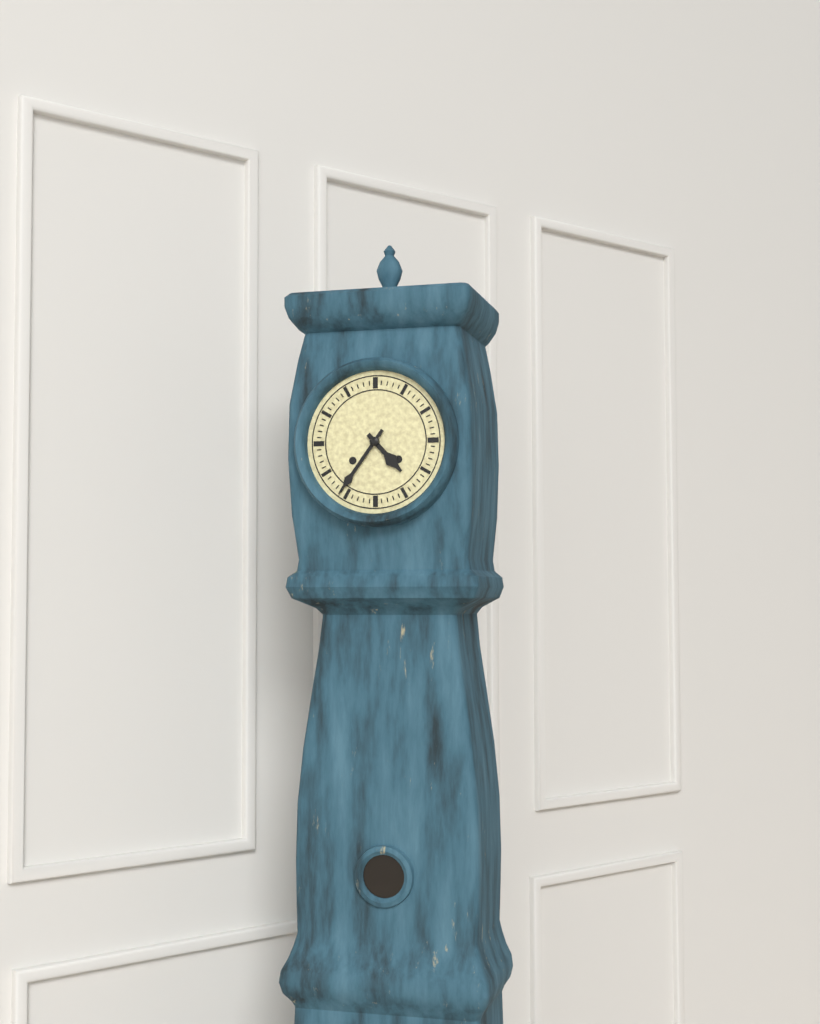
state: 4:36
